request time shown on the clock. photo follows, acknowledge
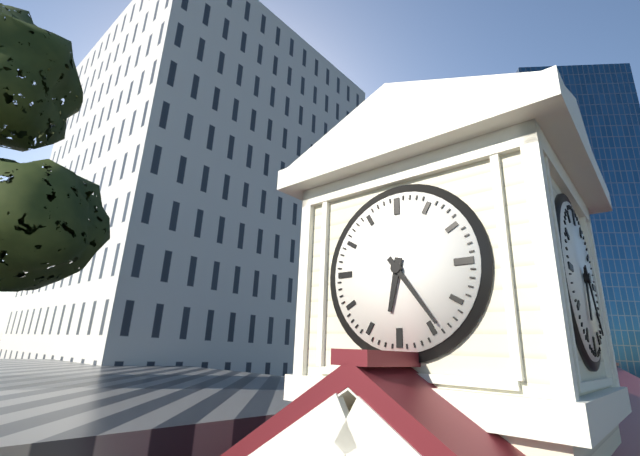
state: 6:24
